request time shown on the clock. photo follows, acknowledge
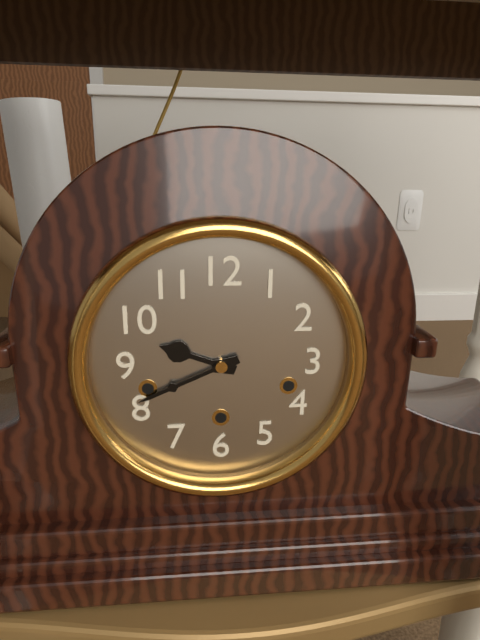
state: 9:41
